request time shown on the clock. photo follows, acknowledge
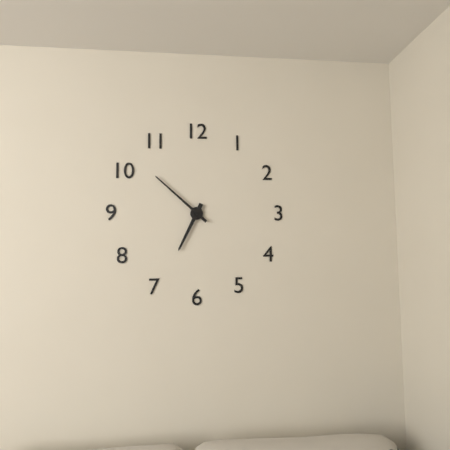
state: 6:52
